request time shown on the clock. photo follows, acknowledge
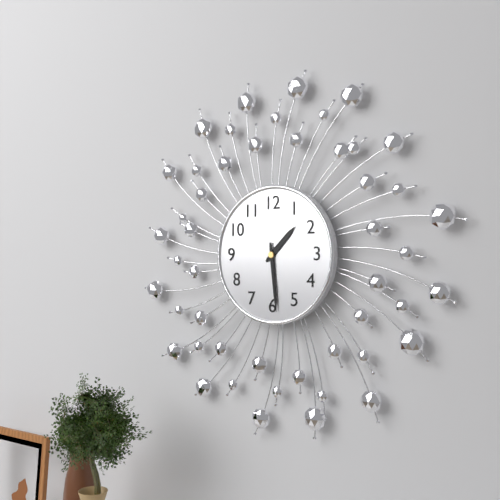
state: 1:29
